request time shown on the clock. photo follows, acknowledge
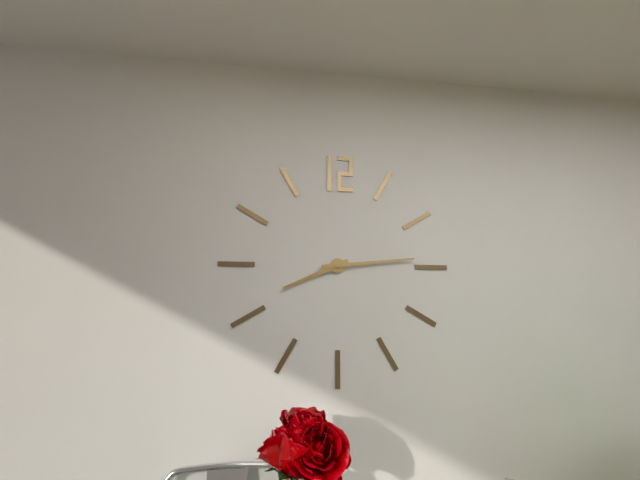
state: 8:14
